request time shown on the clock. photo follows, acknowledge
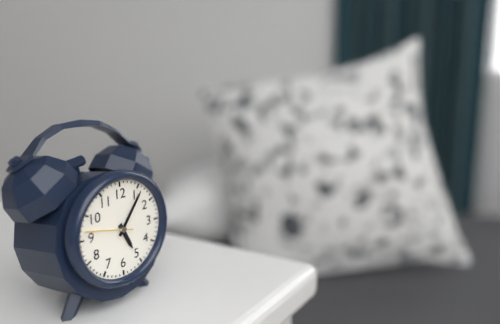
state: 5:06
